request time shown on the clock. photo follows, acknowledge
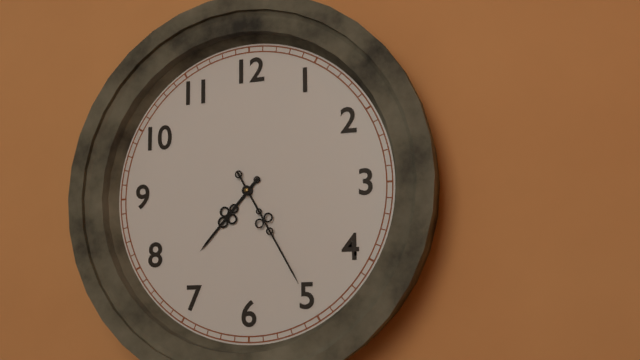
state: 7:25
